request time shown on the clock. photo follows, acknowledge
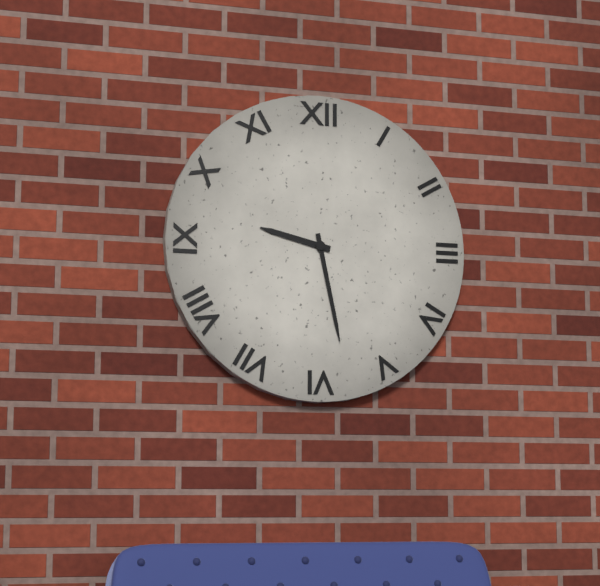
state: 9:28
